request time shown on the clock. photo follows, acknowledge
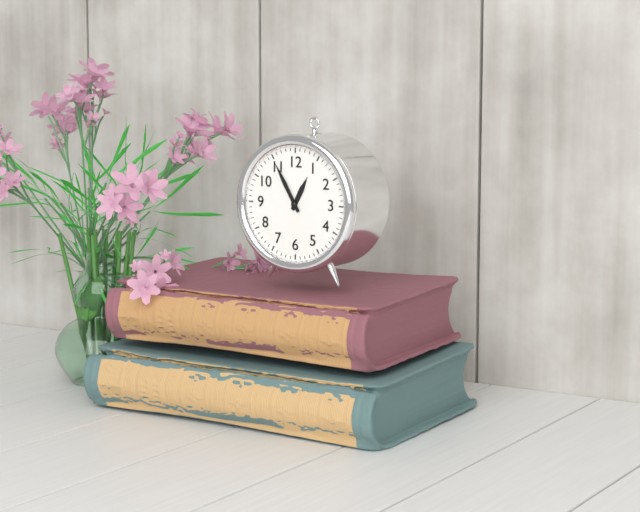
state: 12:55
